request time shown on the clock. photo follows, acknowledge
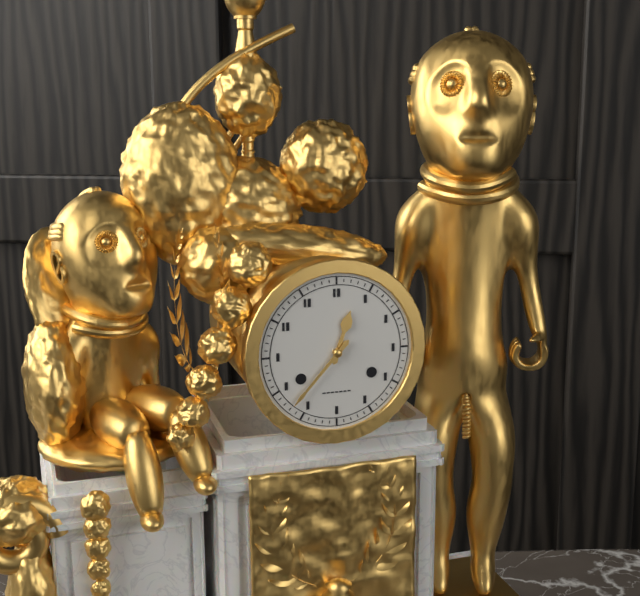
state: 12:37
